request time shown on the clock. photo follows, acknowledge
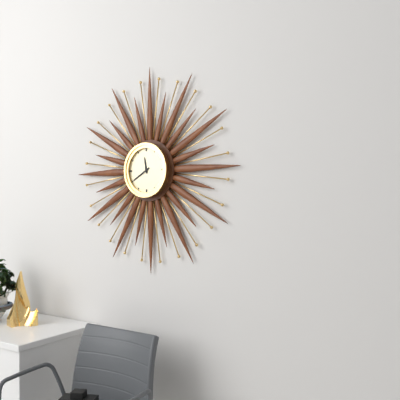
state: 11:40
